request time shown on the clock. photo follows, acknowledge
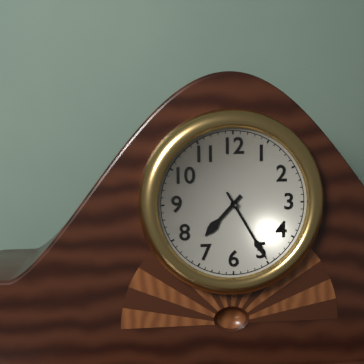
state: 7:25
